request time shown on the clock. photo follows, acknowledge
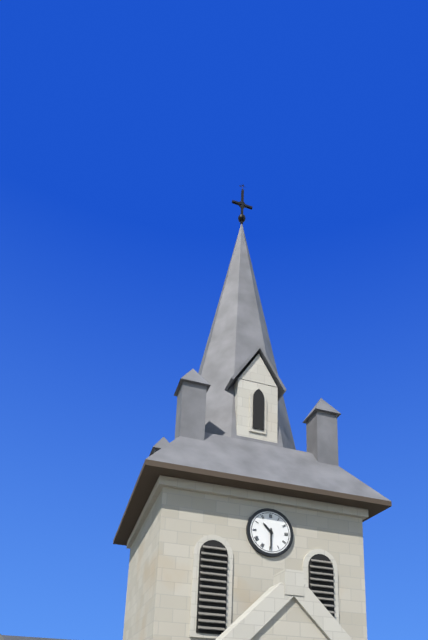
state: 10:30
